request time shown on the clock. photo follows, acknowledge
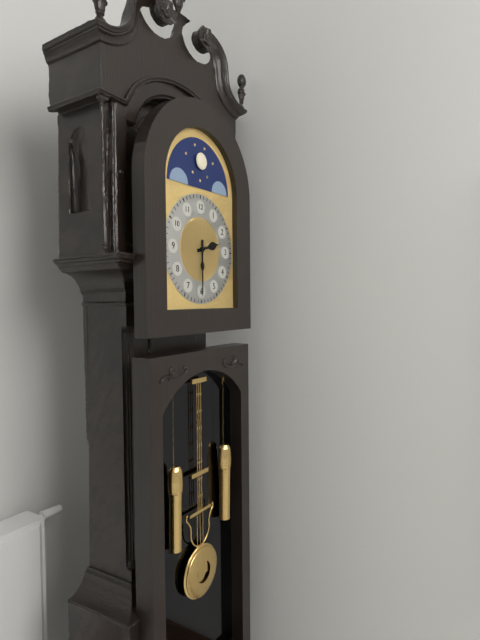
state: 2:30
